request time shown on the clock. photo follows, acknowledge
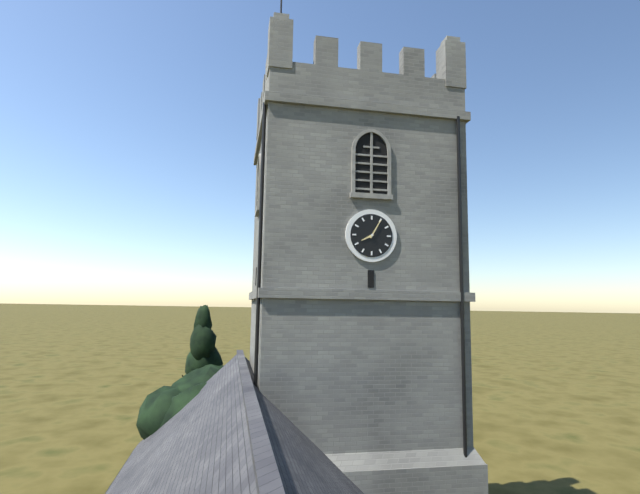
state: 8:05
